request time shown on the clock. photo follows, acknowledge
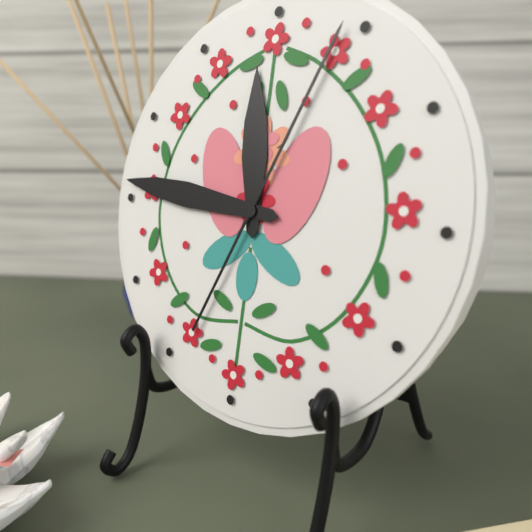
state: 11:46:04
